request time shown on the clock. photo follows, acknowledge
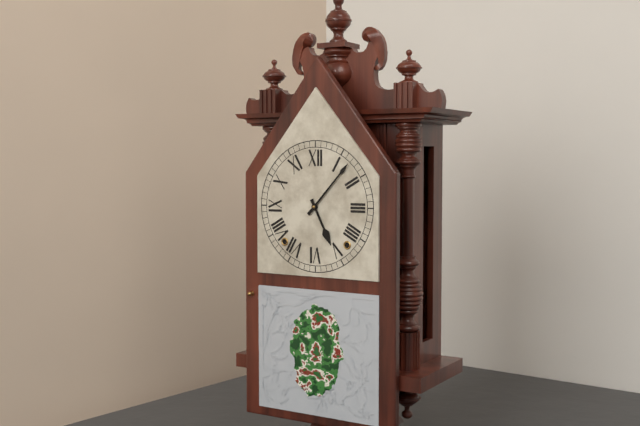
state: 5:07
